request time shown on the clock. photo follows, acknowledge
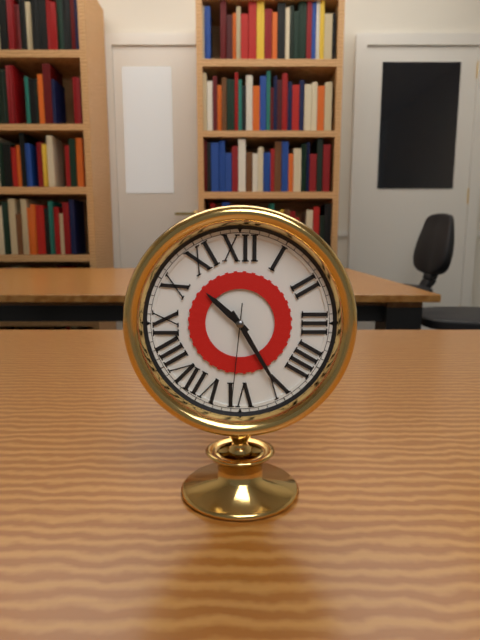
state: 10:25:31
